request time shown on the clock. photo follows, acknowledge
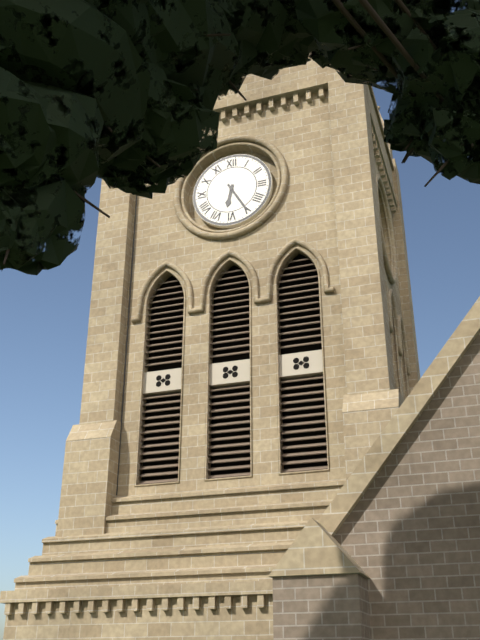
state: 6:25
